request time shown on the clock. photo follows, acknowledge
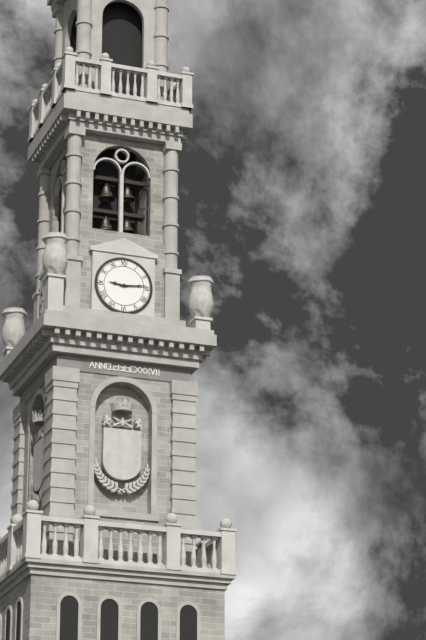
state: 9:14
